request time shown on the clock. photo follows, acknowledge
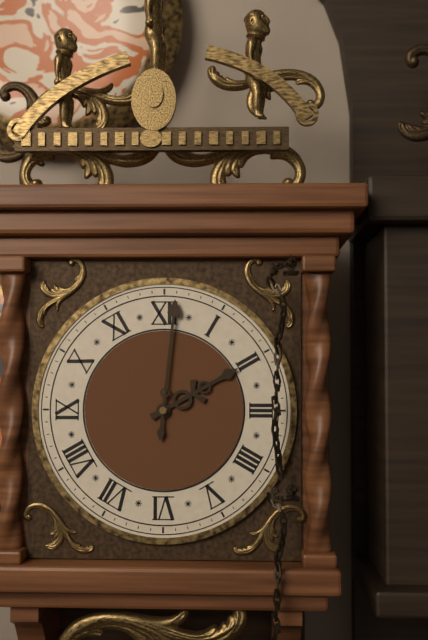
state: 2:01
